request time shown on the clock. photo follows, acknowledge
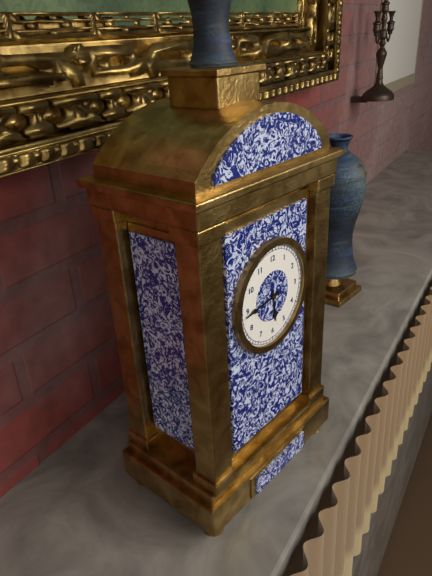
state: 5:44
